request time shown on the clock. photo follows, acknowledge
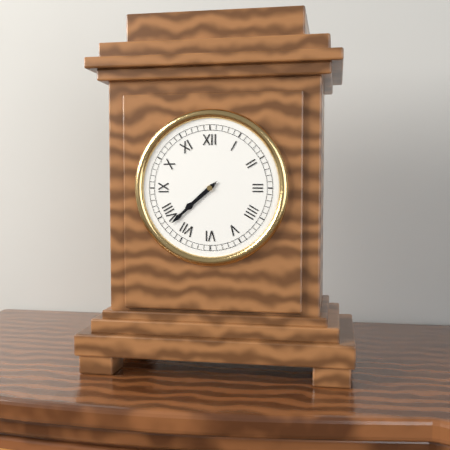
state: 7:38
